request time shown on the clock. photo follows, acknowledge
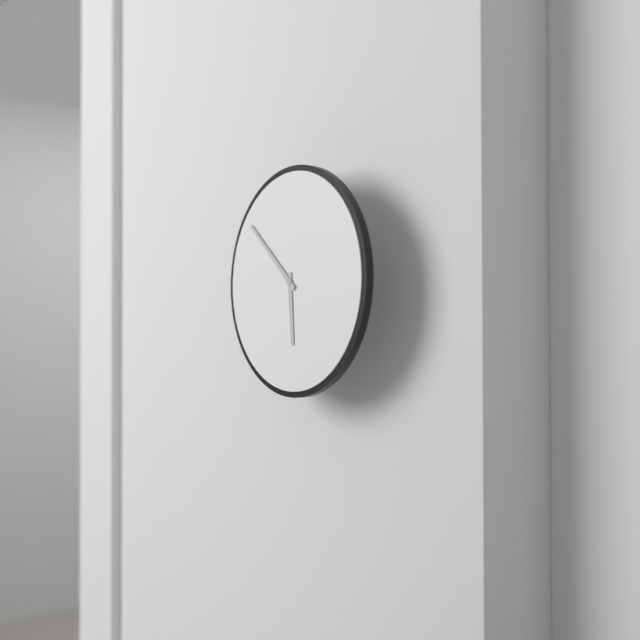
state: 5:52
